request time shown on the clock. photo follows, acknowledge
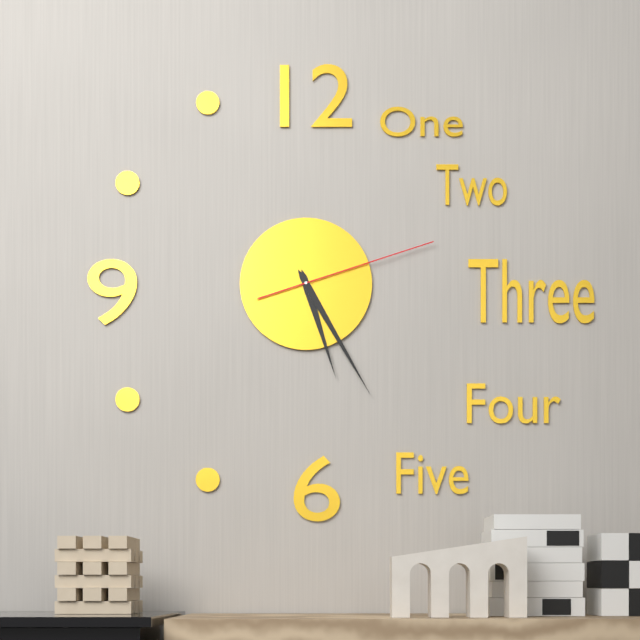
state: 5:25:12
